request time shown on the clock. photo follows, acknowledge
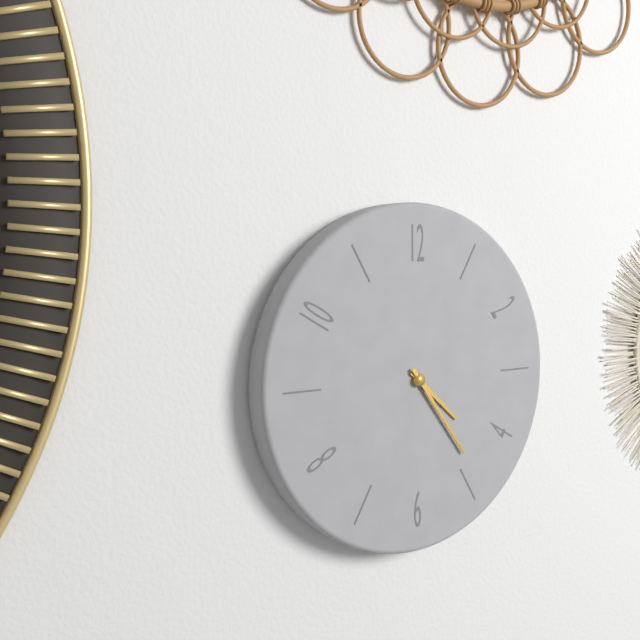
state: 4:24
